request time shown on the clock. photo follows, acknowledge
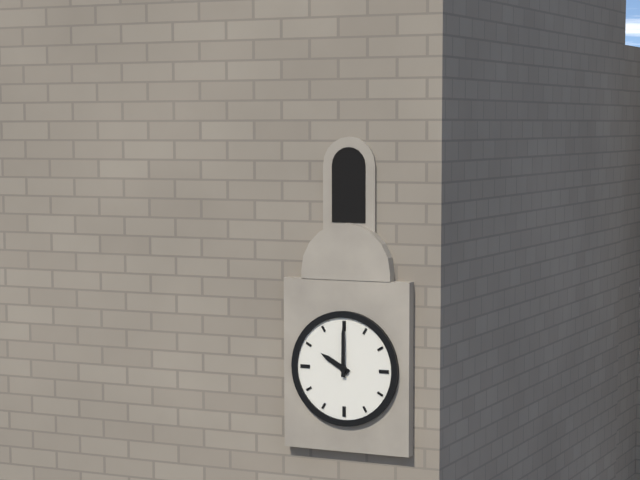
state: 10:00
